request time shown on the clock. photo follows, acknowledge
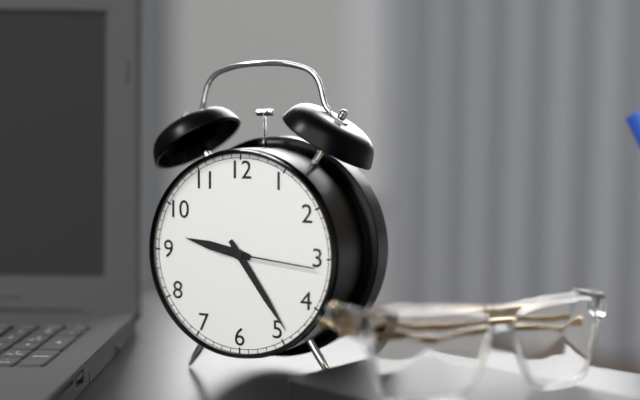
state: 9:24:16
